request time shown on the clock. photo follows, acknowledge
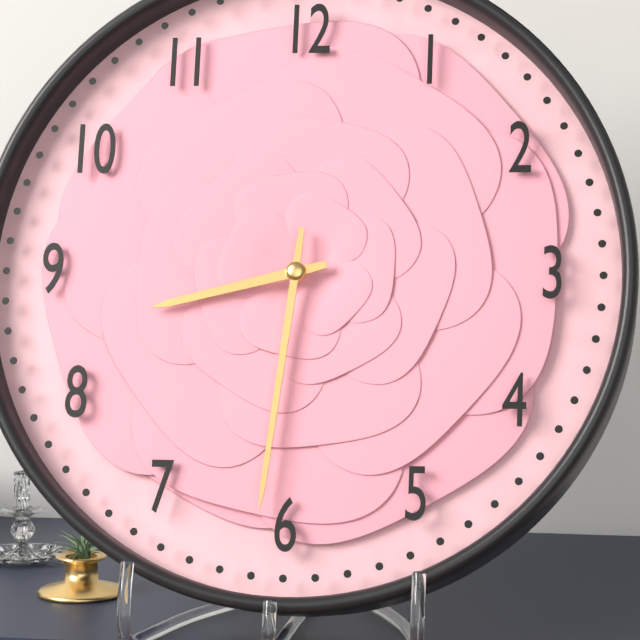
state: 8:31
